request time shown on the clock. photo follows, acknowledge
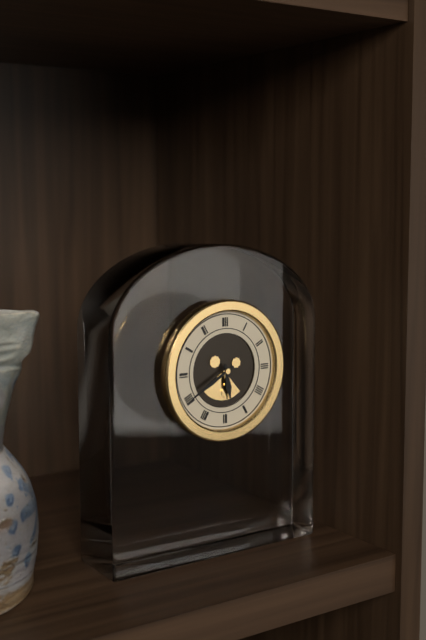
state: 5:40
